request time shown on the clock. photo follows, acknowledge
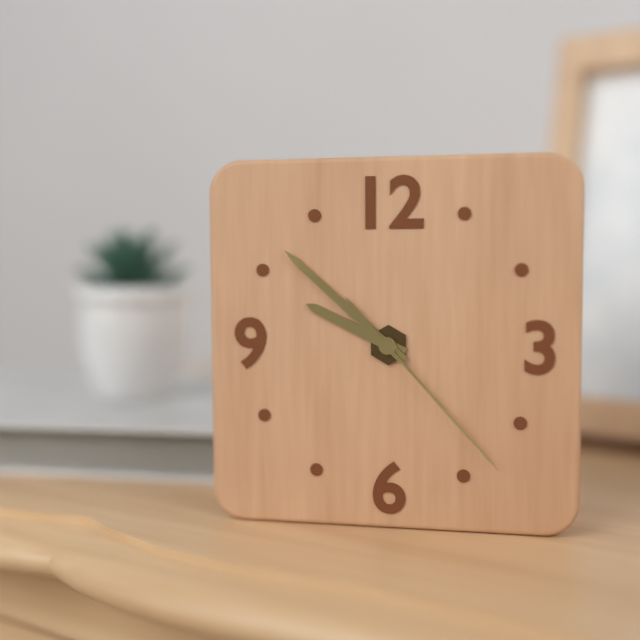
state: 9:52:23
